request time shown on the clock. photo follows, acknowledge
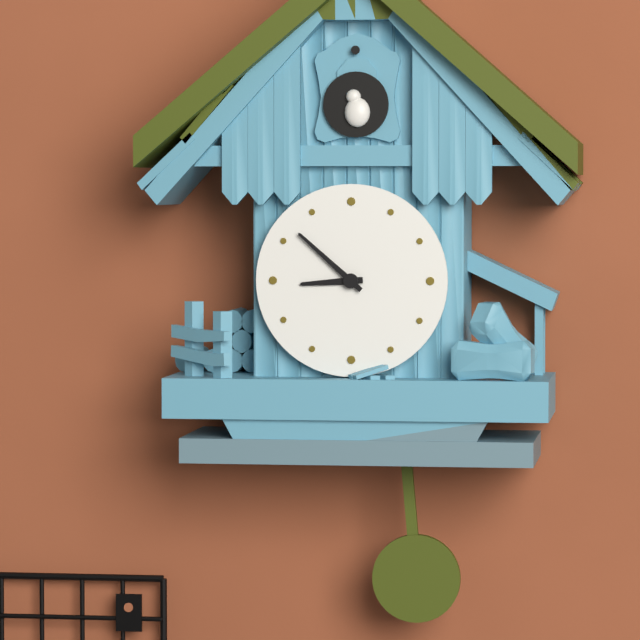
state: 8:52
